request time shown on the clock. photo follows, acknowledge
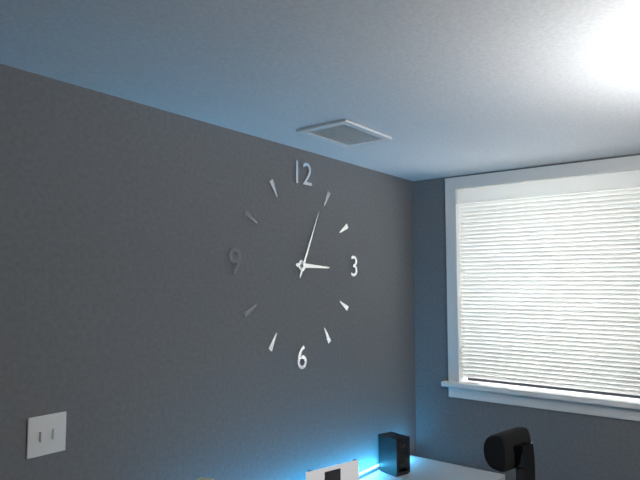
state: 3:04
